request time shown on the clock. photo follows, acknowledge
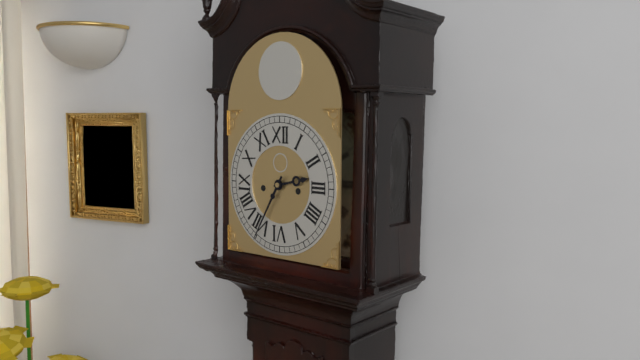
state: 2:35
